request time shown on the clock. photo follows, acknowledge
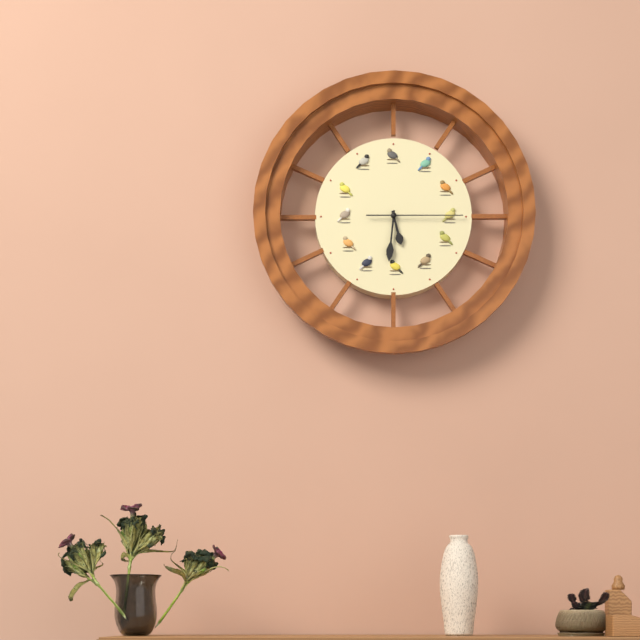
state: 5:31:15
